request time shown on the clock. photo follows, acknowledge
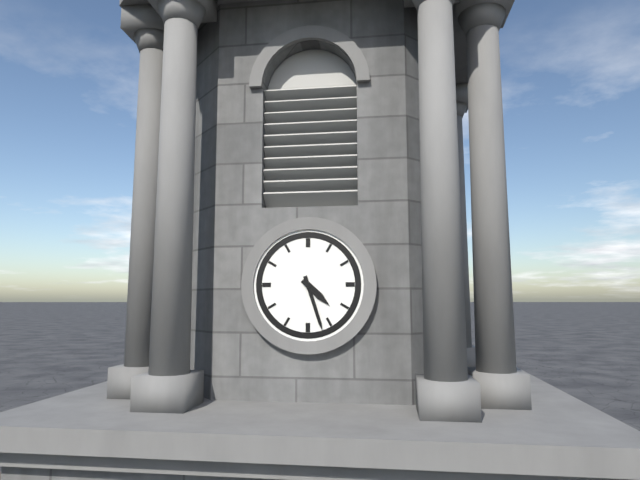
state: 4:27
